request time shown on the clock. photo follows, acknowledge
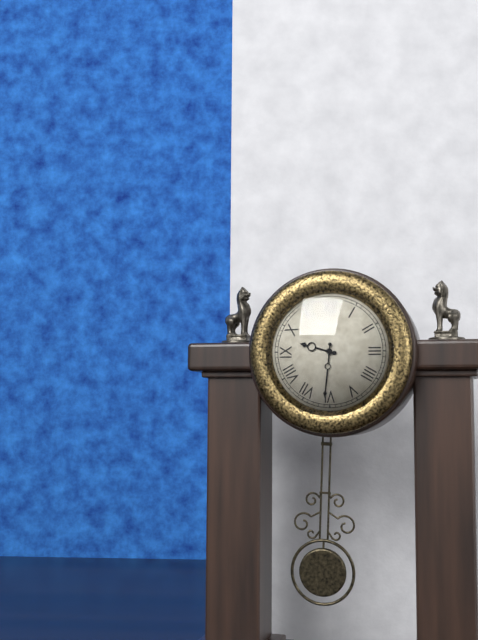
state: 9:31
